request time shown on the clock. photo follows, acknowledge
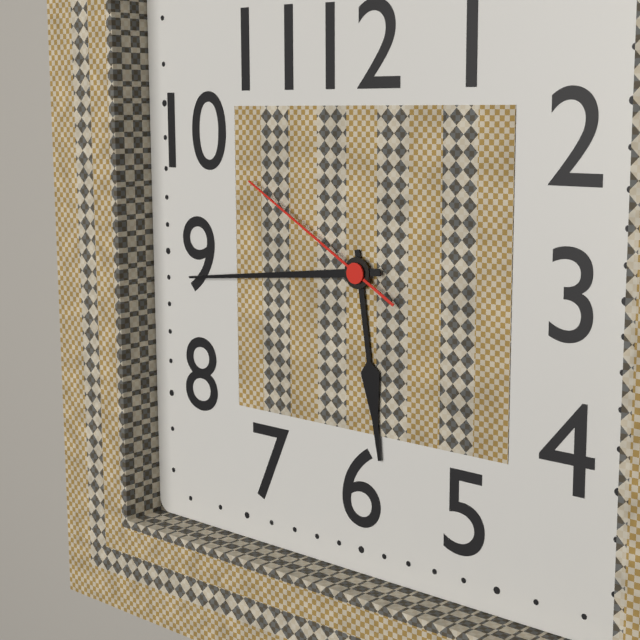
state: 5:44:50
